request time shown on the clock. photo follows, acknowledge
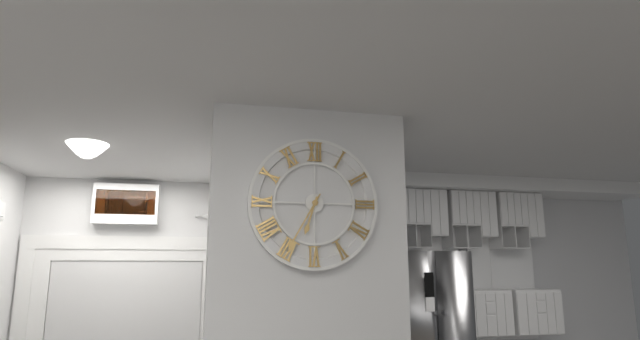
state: 6:35
